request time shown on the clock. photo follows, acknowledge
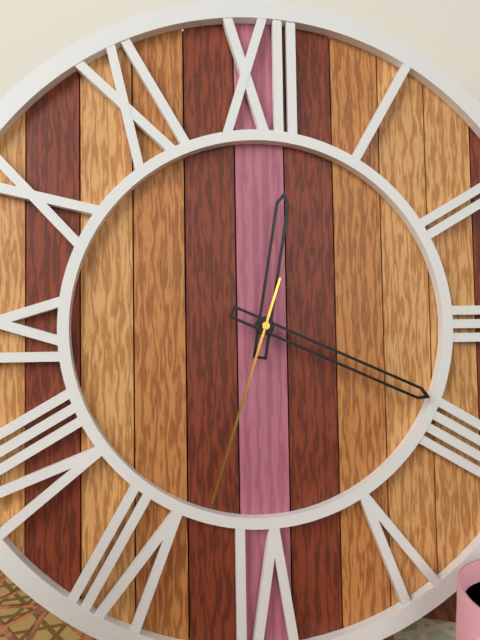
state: 12:19:33
